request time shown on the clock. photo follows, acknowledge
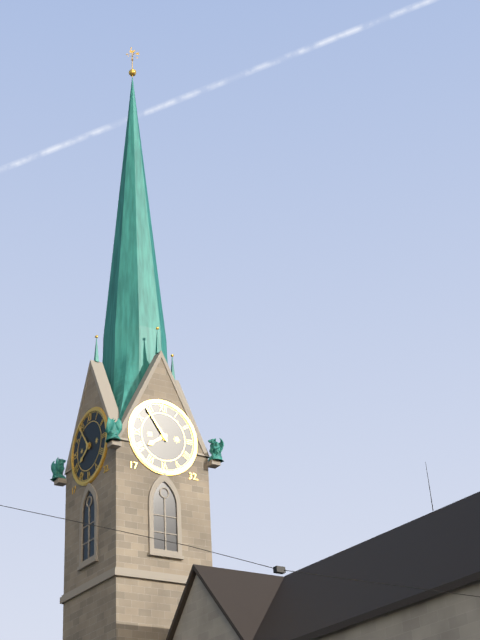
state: 7:54
